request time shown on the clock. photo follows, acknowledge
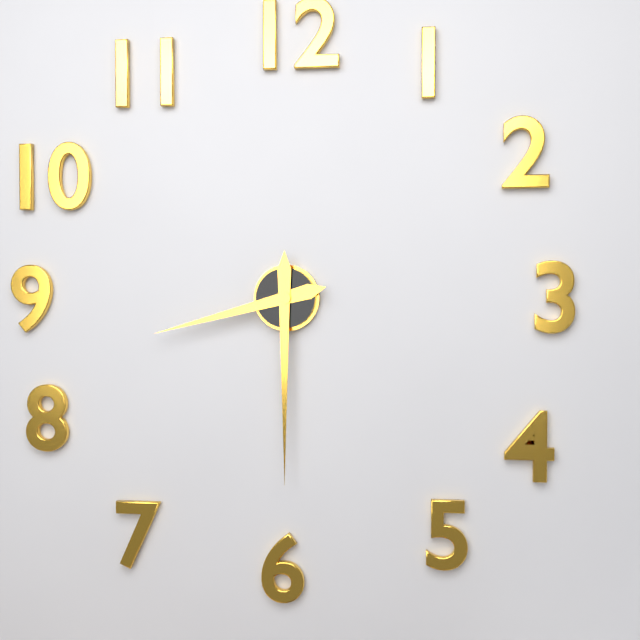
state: 8:30
